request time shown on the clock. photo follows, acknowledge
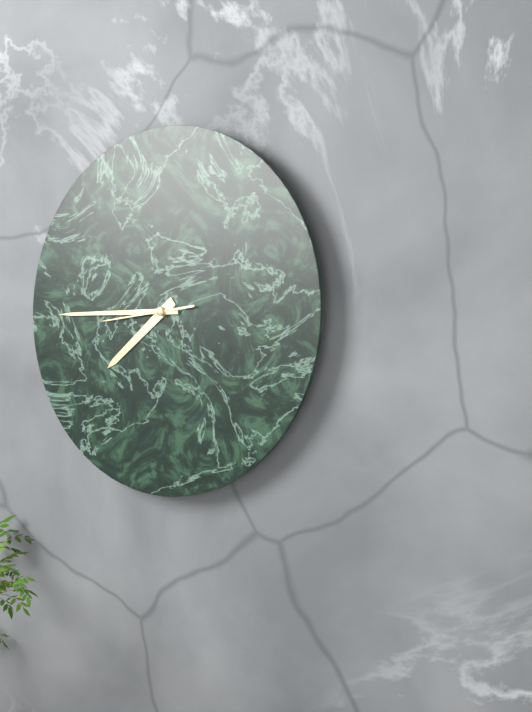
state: 7:45:44
